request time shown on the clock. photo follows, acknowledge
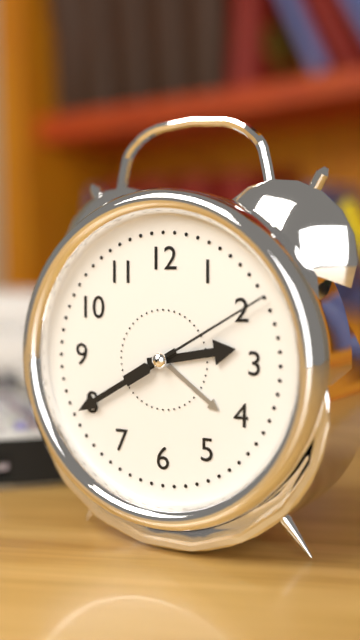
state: 2:40:10
